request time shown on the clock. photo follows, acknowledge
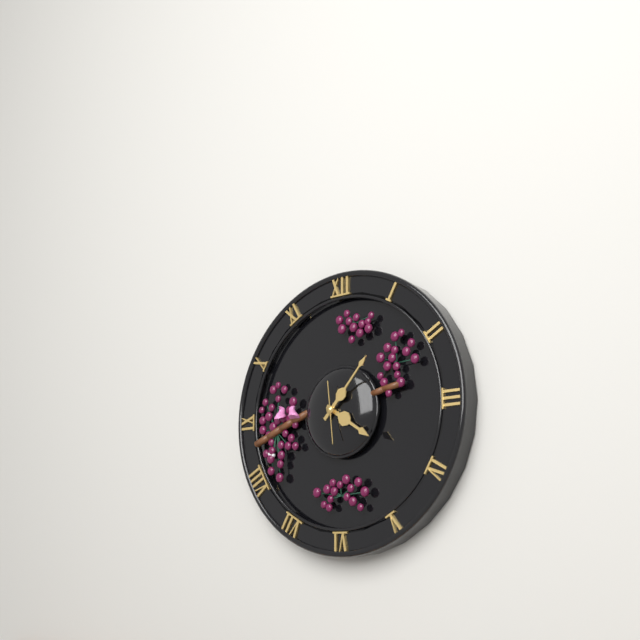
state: 4:07
